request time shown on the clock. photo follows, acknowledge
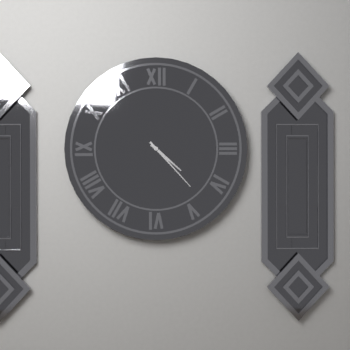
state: 4:23
